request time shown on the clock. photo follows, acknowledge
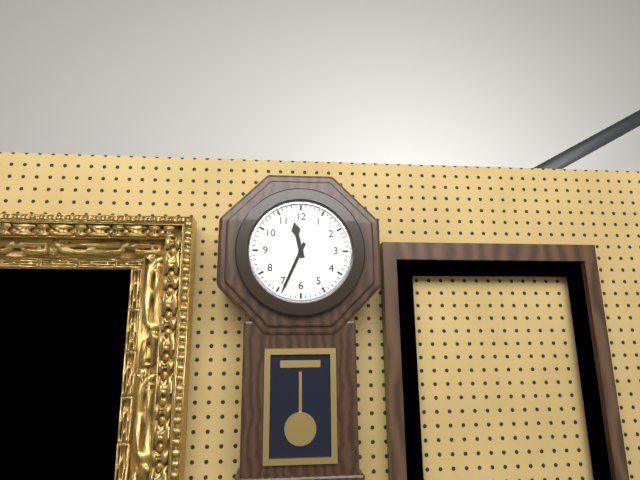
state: 11:34
